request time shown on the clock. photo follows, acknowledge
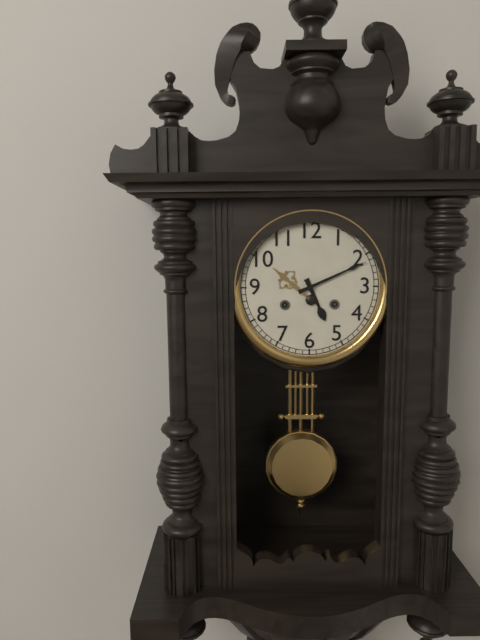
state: 5:11
